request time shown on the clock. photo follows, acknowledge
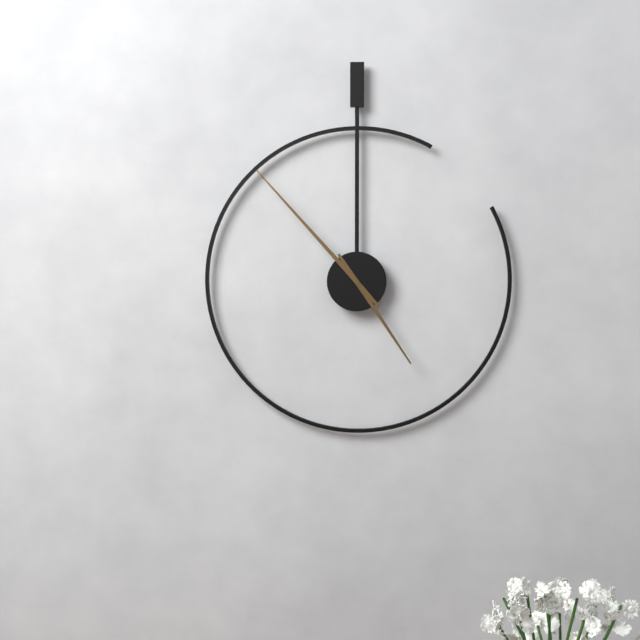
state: 4:53
